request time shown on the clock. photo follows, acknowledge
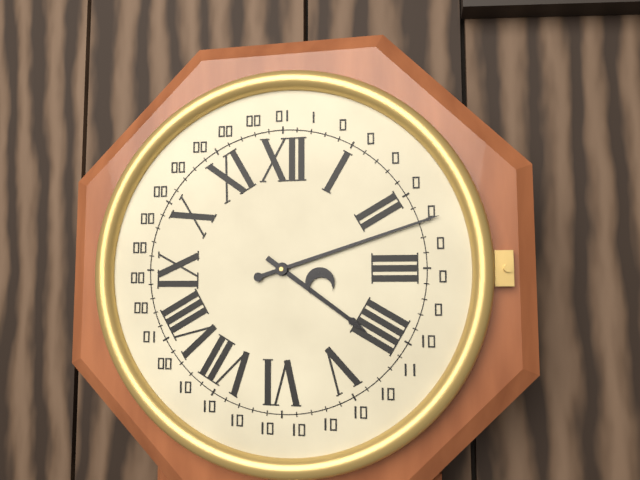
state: 4:12
